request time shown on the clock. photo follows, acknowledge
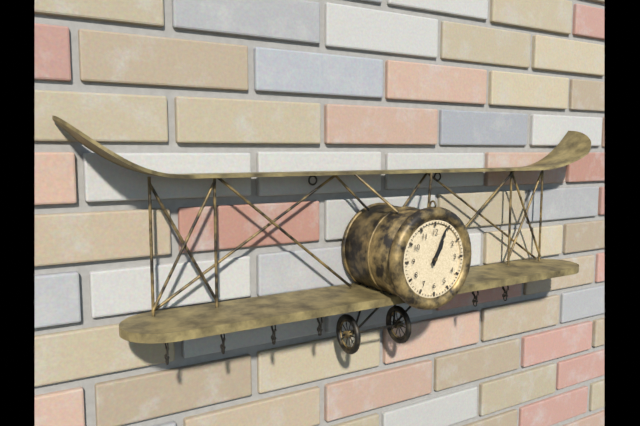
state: 1:04
